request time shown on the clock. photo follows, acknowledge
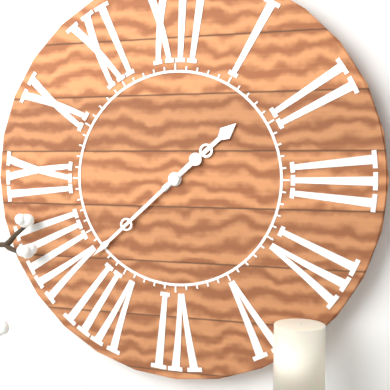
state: 1:38
